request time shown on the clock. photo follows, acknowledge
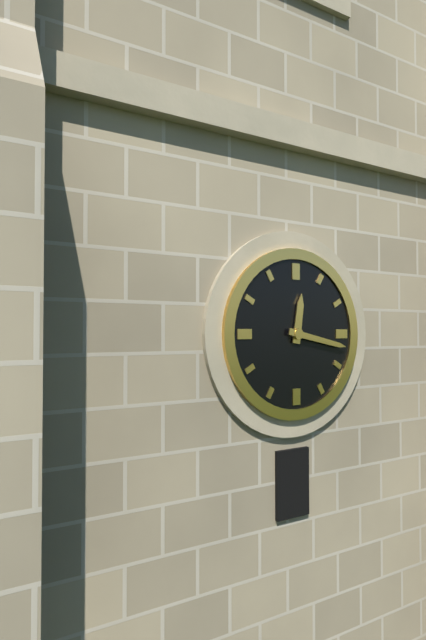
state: 12:17
